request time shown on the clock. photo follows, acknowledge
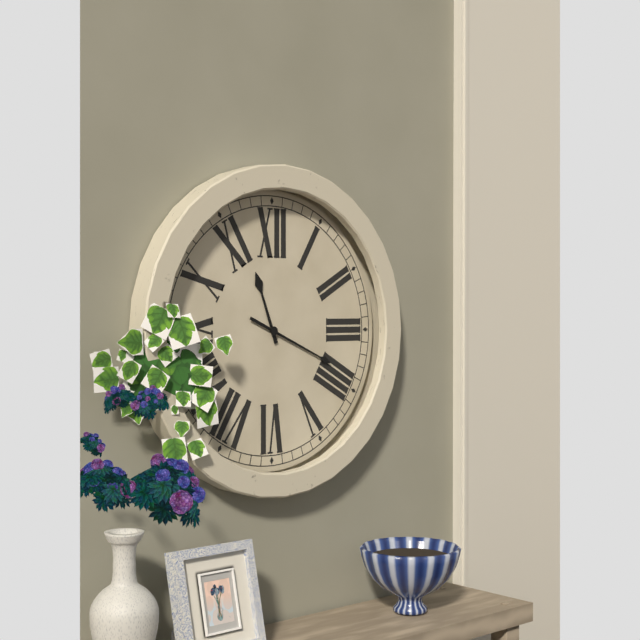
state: 11:19
